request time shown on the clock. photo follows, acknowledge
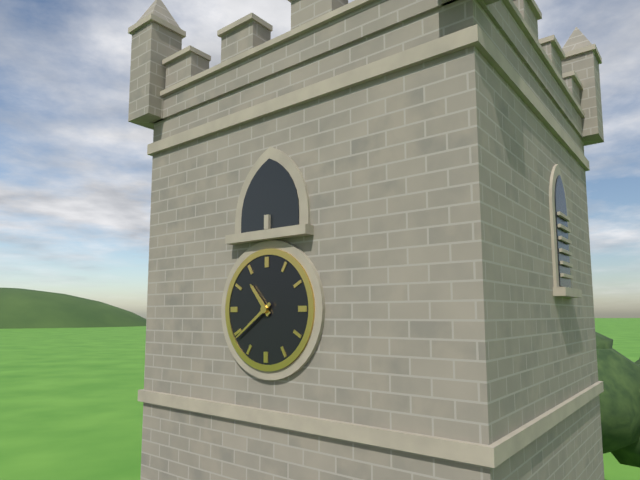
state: 10:39
